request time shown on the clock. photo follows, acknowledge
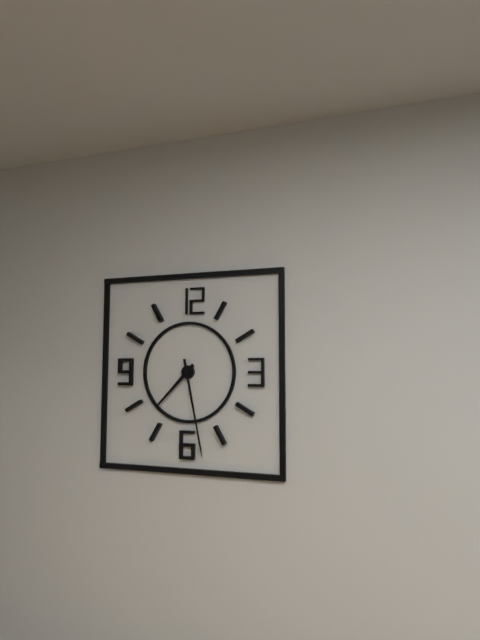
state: 7:28
